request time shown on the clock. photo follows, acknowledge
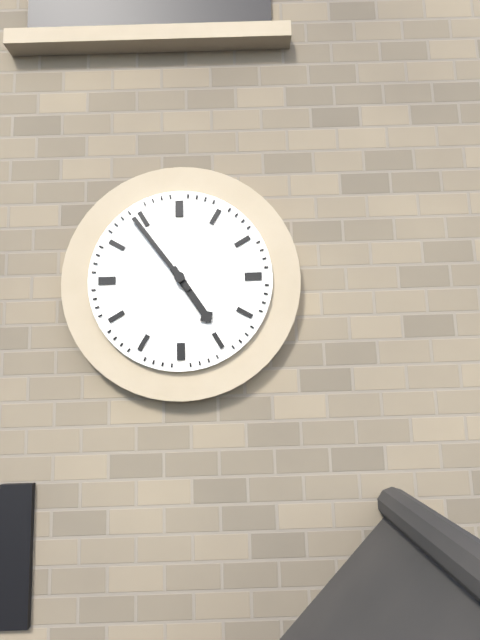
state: 4:54
